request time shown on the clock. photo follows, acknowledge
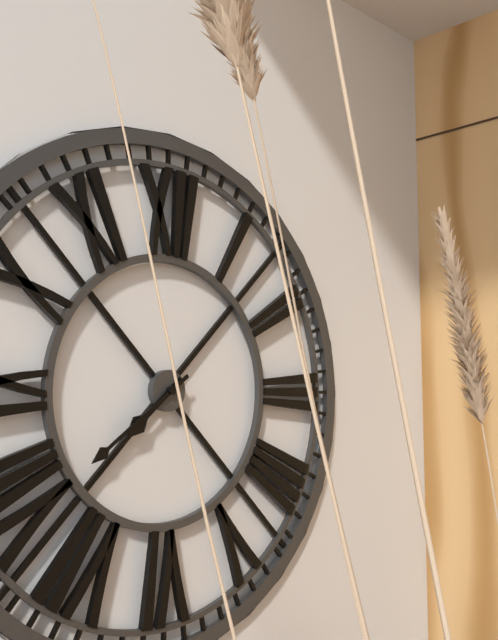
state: 7:39
